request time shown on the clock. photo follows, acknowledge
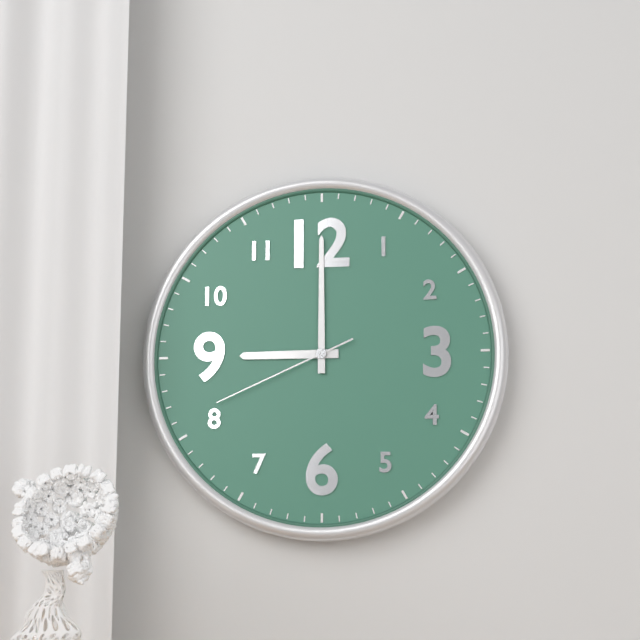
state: 9:00:41
